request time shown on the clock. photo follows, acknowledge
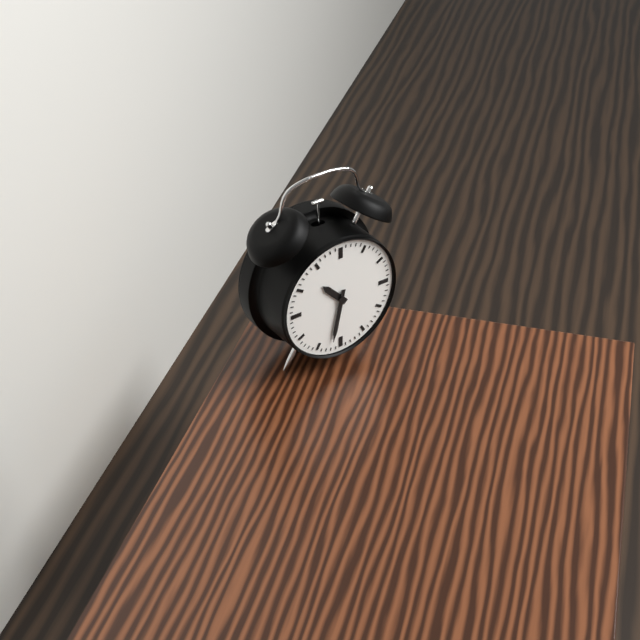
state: 10:32
